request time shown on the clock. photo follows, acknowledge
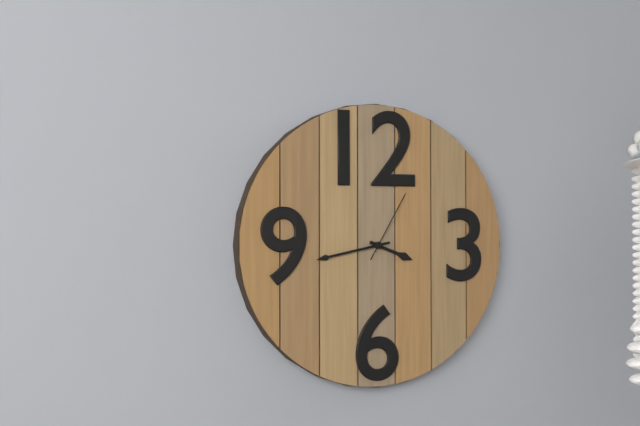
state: 3:43:05
